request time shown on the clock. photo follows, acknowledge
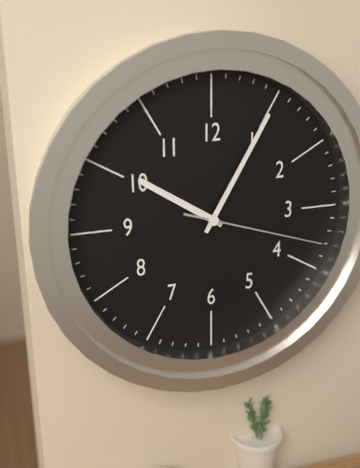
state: 10:05:18
